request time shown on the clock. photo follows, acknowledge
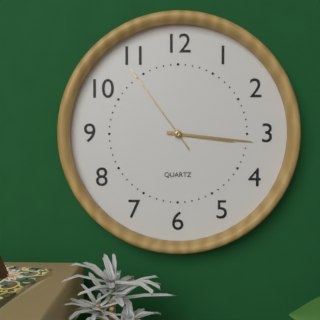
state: 3:16:54
